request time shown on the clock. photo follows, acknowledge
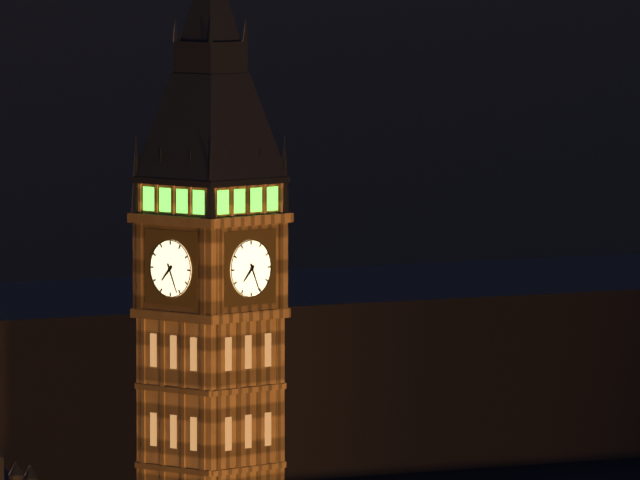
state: 7:26
